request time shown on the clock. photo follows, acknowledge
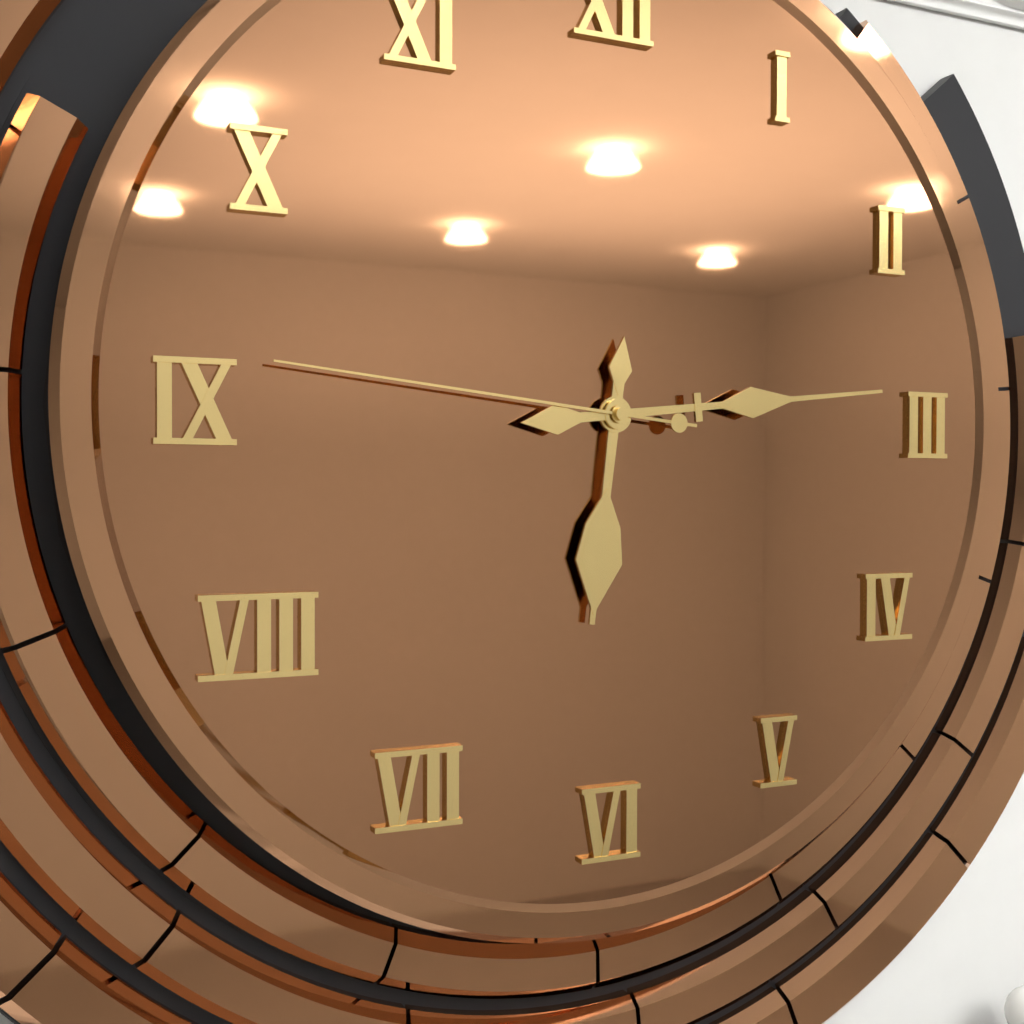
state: 6:14:46
